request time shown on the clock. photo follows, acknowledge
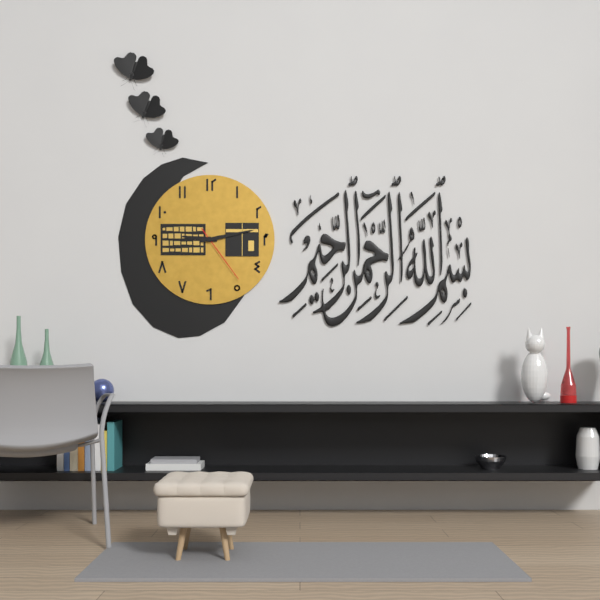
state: 9:13:24
